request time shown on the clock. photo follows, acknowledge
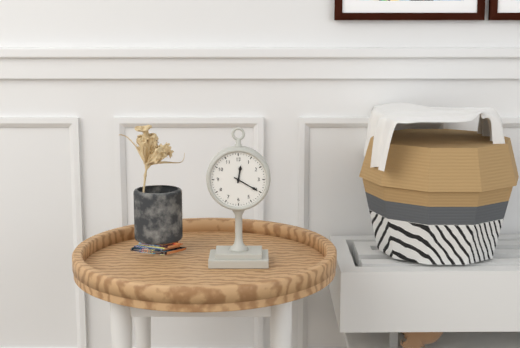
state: 12:20
